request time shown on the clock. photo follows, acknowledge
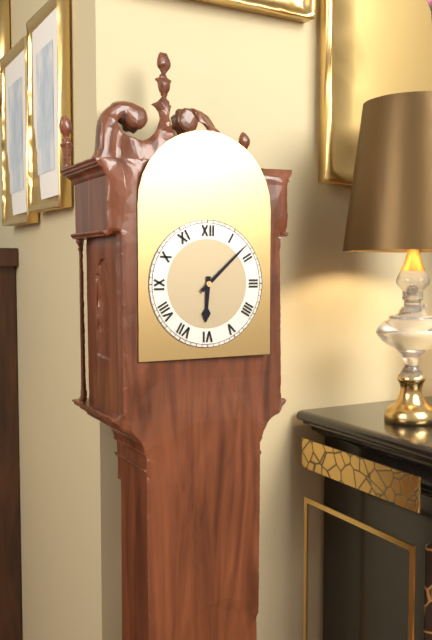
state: 6:08
